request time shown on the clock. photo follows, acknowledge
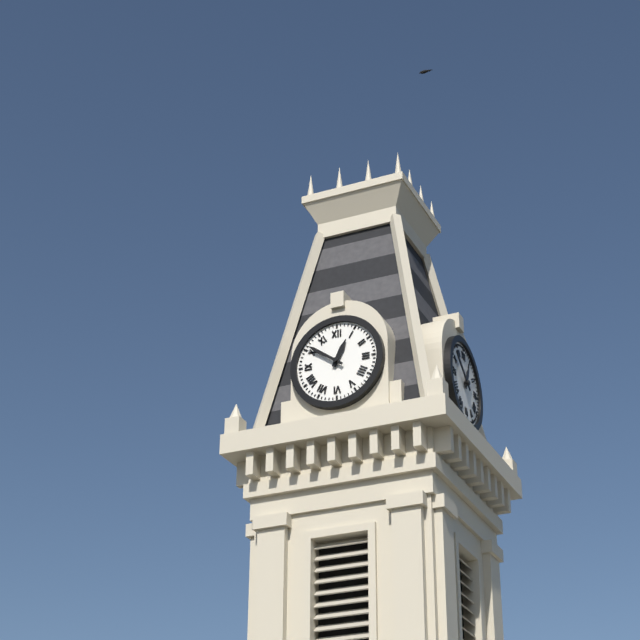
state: 12:51
